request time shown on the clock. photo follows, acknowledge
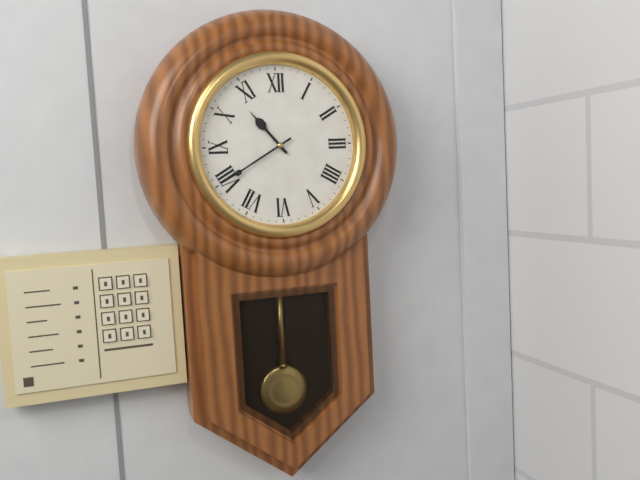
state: 10:40
